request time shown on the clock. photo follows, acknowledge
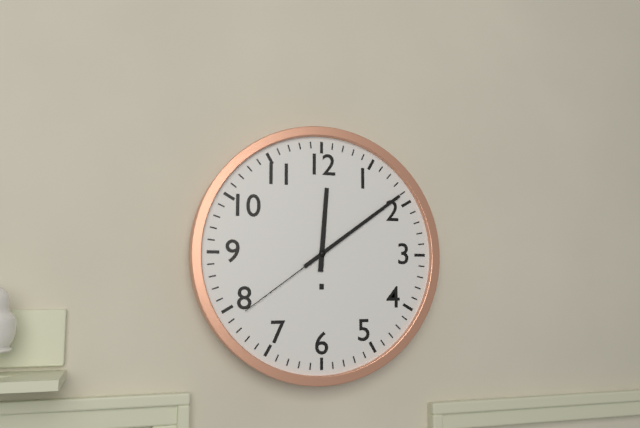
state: 12:09:39
